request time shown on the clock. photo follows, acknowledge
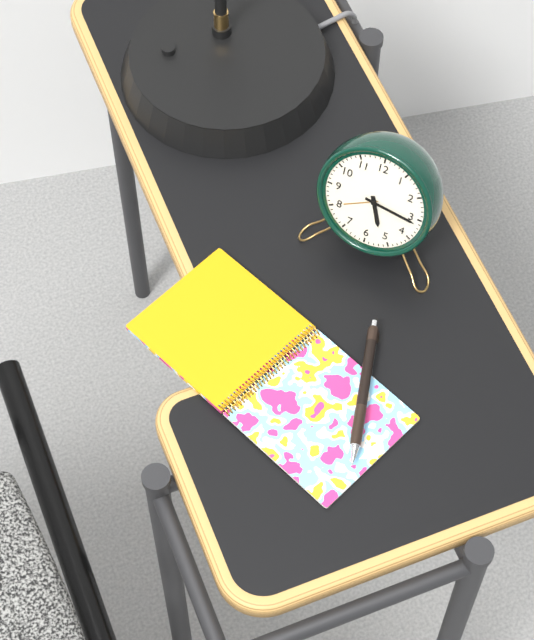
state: 5:16
